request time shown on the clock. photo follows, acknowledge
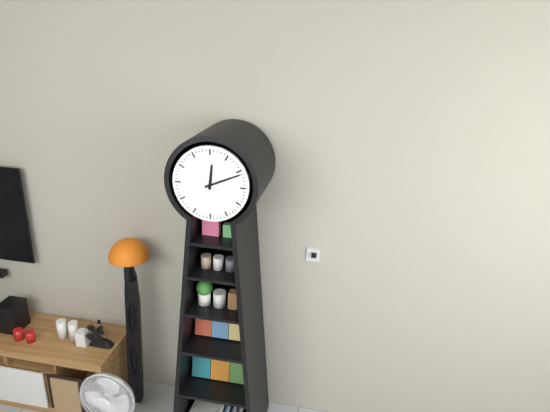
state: 12:11
